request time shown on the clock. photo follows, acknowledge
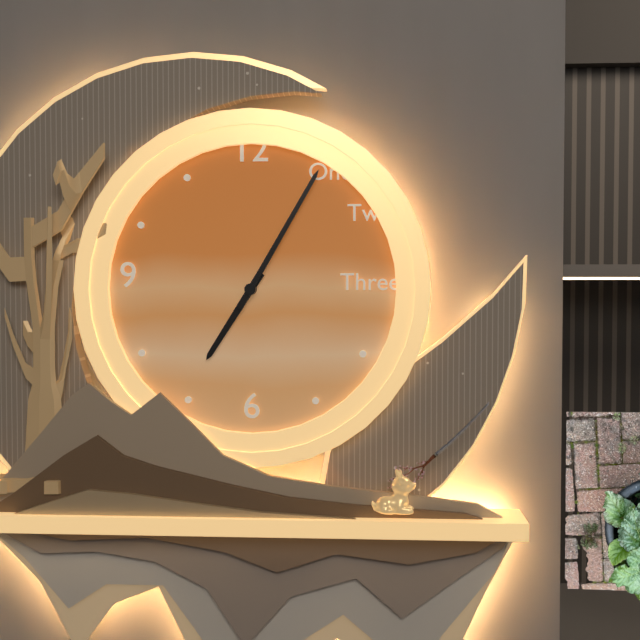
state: 7:05
